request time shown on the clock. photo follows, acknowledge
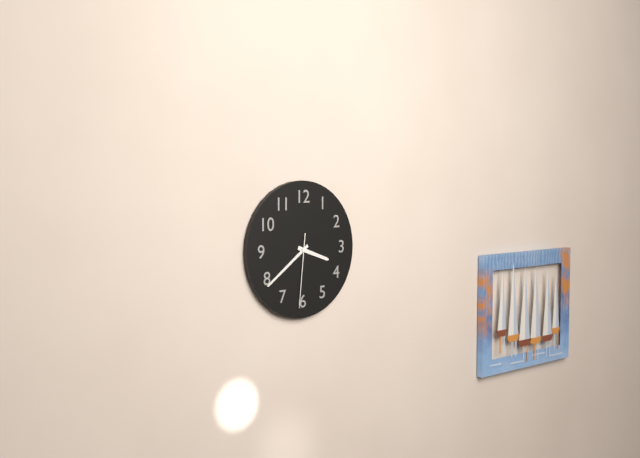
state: 3:39:31
